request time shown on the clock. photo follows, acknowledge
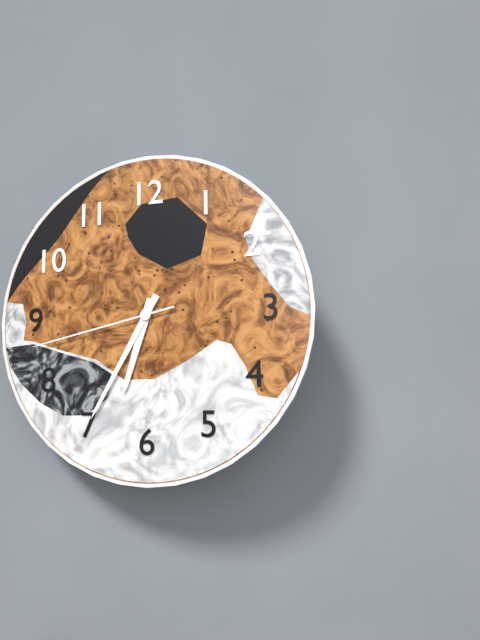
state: 6:35:43
